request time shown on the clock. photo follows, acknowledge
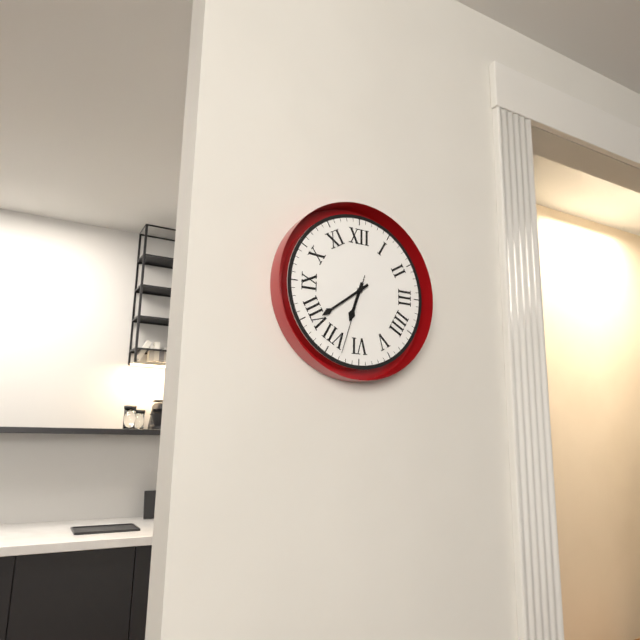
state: 6:39:33
